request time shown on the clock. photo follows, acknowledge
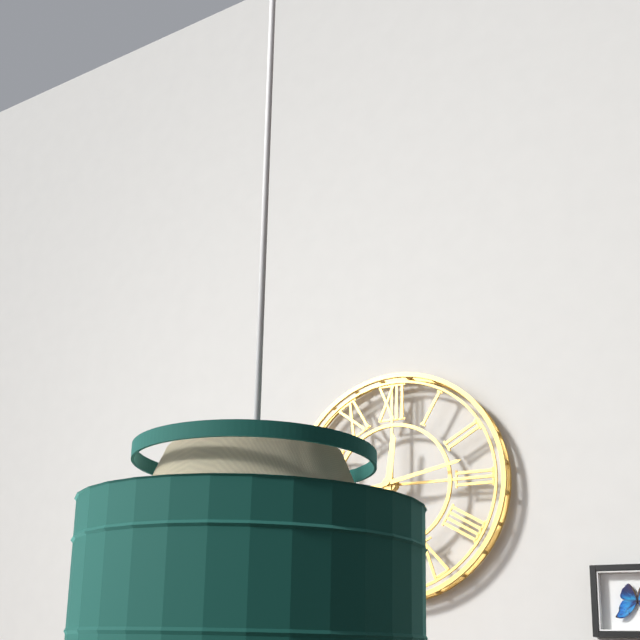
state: 12:13
